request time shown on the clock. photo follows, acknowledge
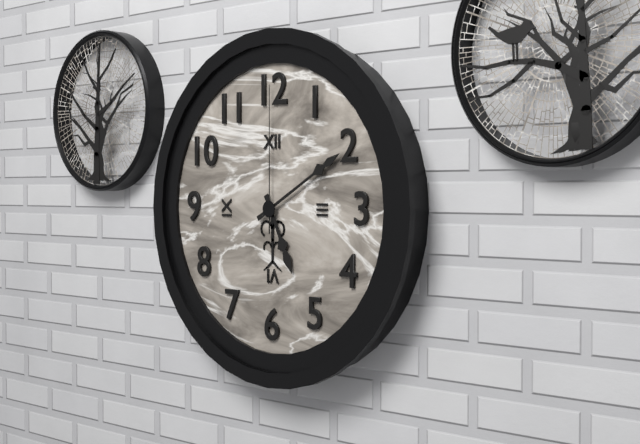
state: 5:10:00
